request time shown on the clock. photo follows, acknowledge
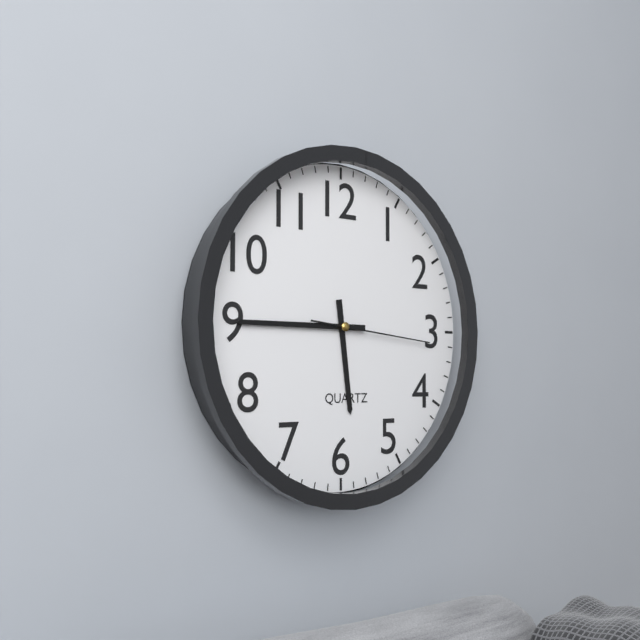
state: 5:45:16
